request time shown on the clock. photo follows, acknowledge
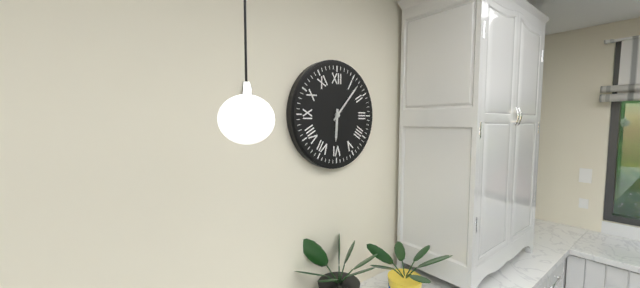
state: 6:07
